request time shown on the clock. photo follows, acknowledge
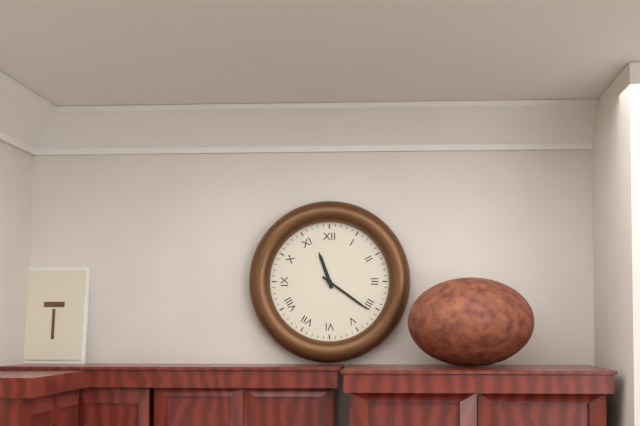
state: 11:21
